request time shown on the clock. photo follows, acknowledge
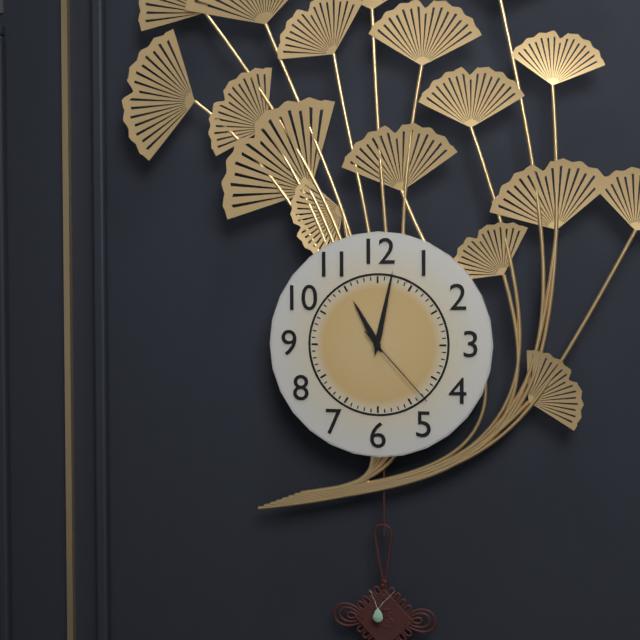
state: 11:02:23
